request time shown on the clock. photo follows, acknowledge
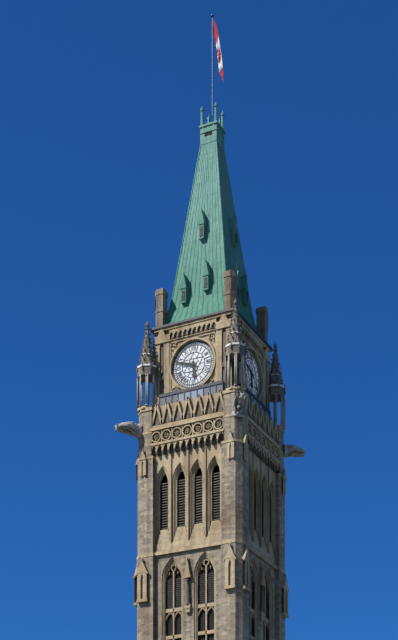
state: 5:48
